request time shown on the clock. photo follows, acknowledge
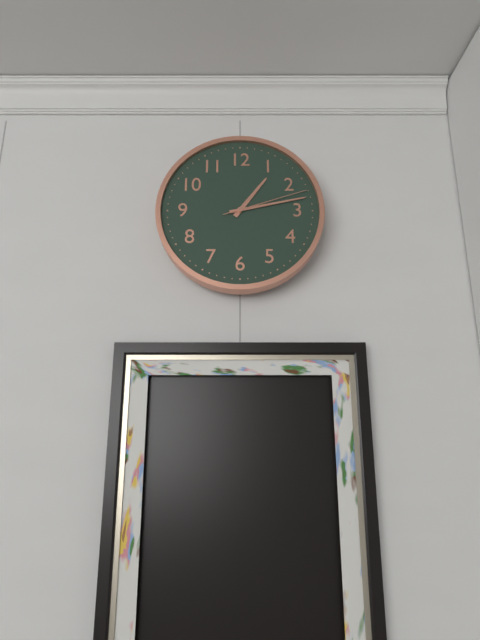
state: 1:13:12
